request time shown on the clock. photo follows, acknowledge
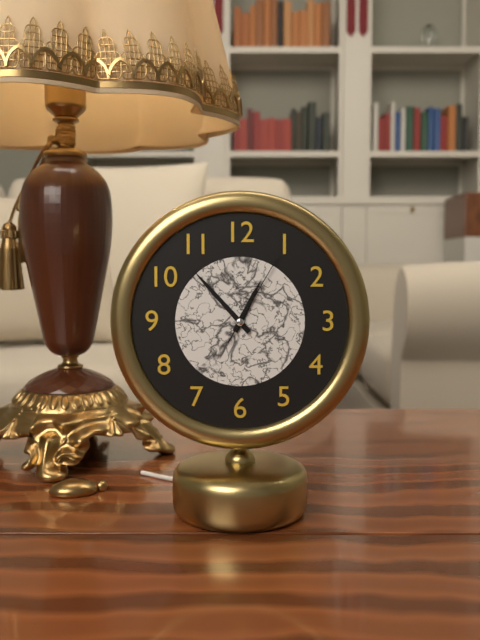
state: 12:53:05
